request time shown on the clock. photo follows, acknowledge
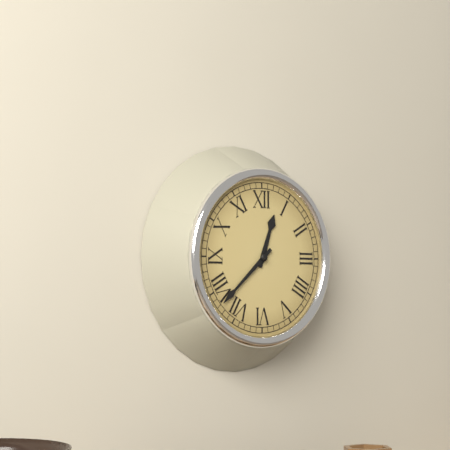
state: 12:38
